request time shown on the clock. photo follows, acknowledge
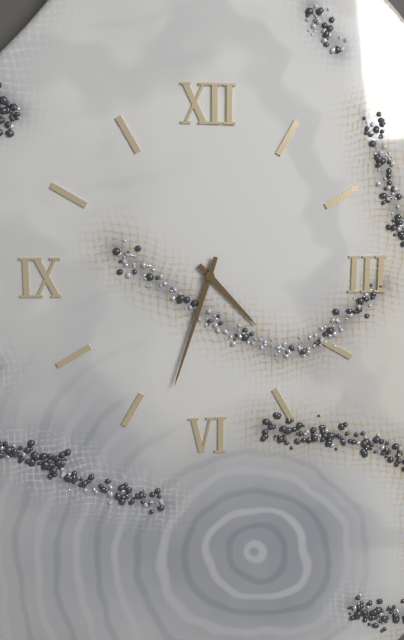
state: 4:33
